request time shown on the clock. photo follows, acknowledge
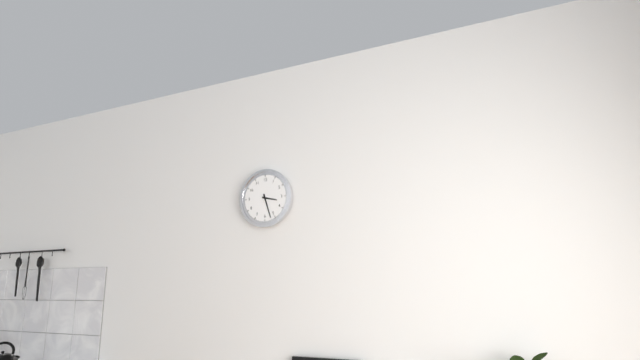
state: 3:27
